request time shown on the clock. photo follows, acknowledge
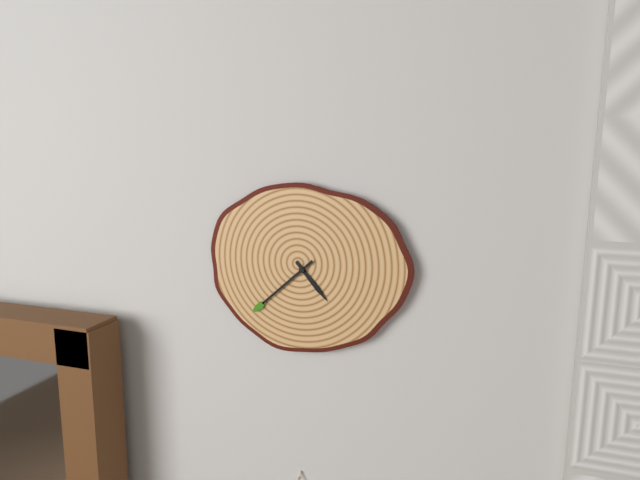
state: 4:38
